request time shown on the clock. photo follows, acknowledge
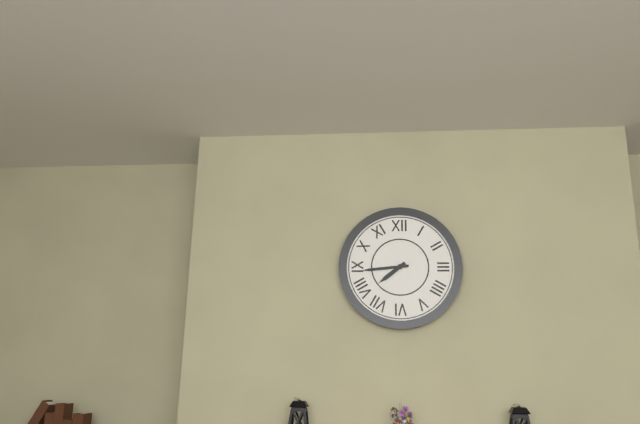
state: 7:44
